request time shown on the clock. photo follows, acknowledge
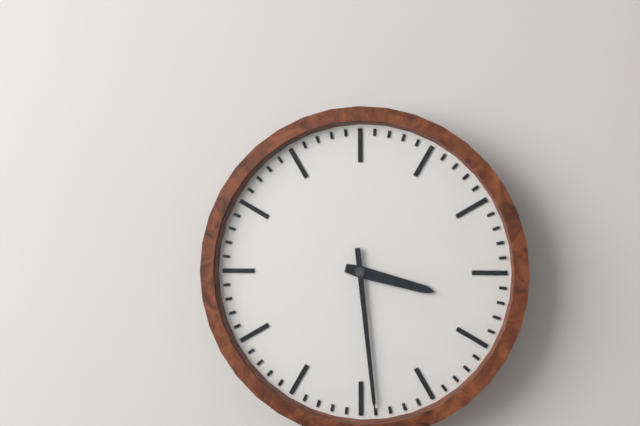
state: 3:29
